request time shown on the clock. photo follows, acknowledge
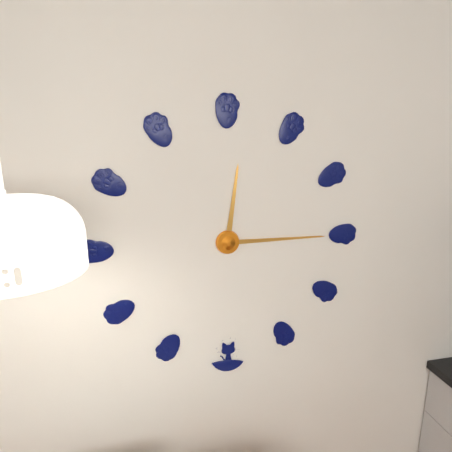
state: 12:15
